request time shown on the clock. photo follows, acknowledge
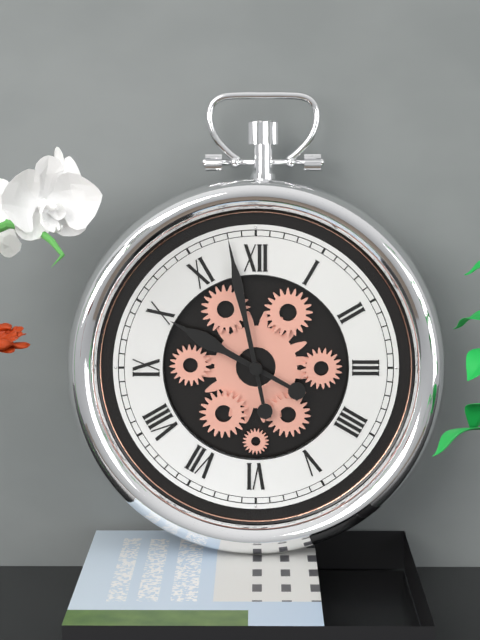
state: 9:58
